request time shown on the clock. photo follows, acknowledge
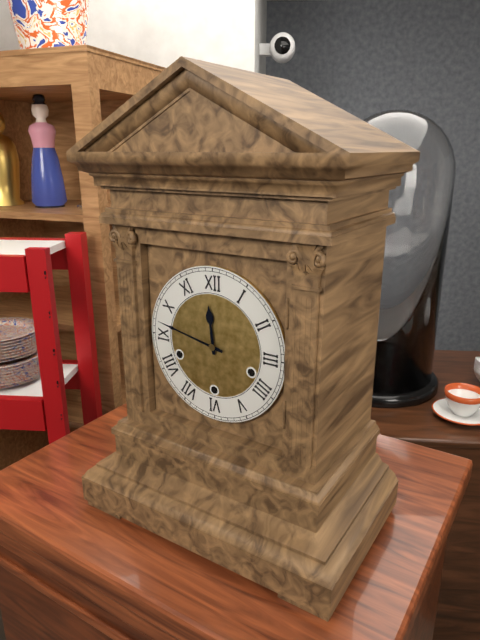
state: 11:47
